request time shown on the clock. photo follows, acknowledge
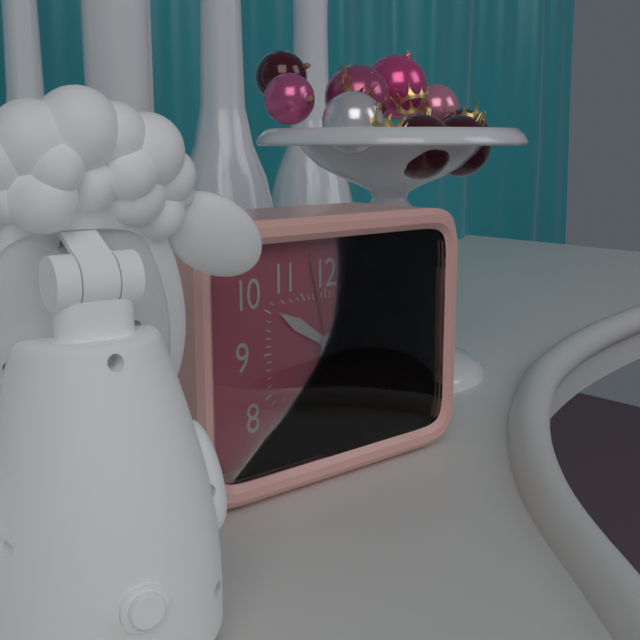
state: 10:06
